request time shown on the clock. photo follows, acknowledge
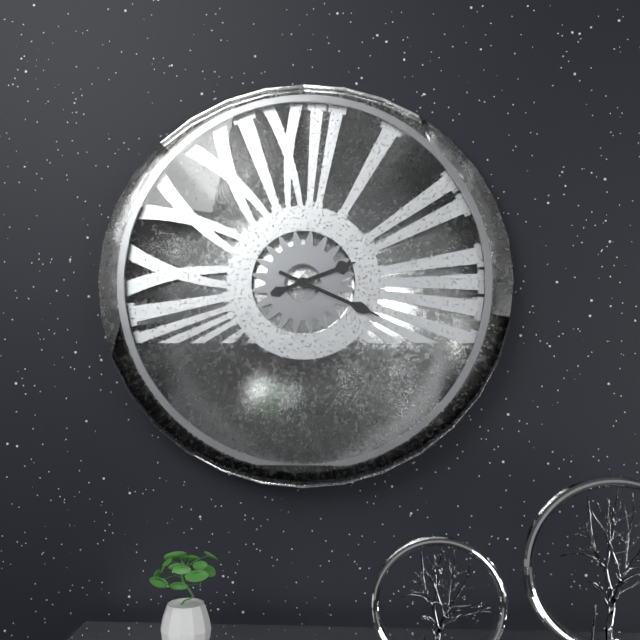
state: 2:19
